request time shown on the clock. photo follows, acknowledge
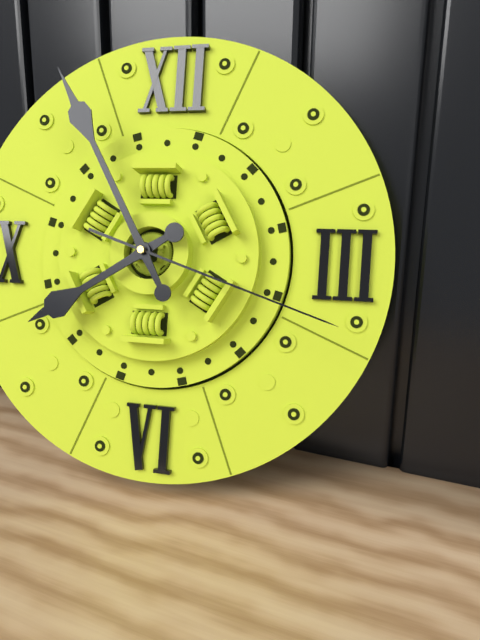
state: 7:55:18
